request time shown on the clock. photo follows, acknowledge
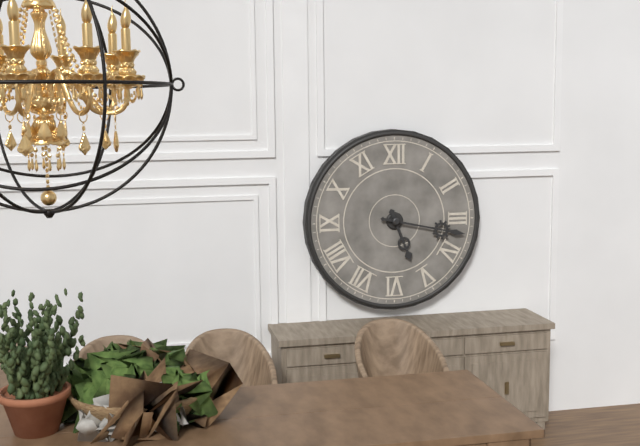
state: 5:17
